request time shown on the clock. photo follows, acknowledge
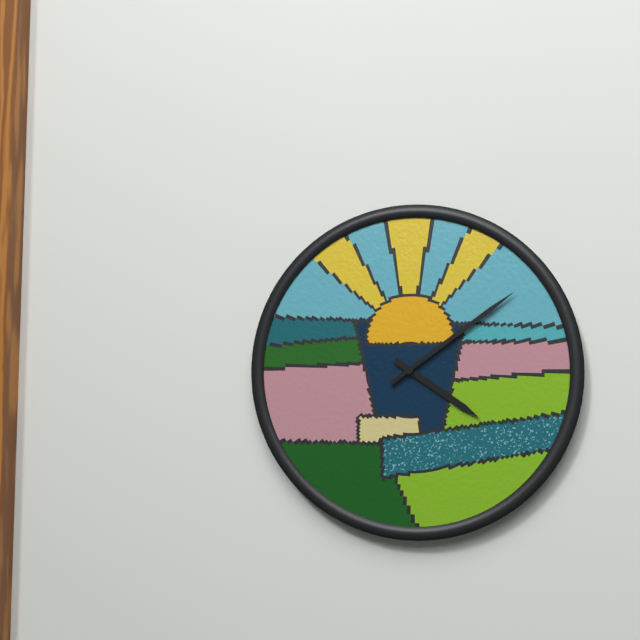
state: 4:09
